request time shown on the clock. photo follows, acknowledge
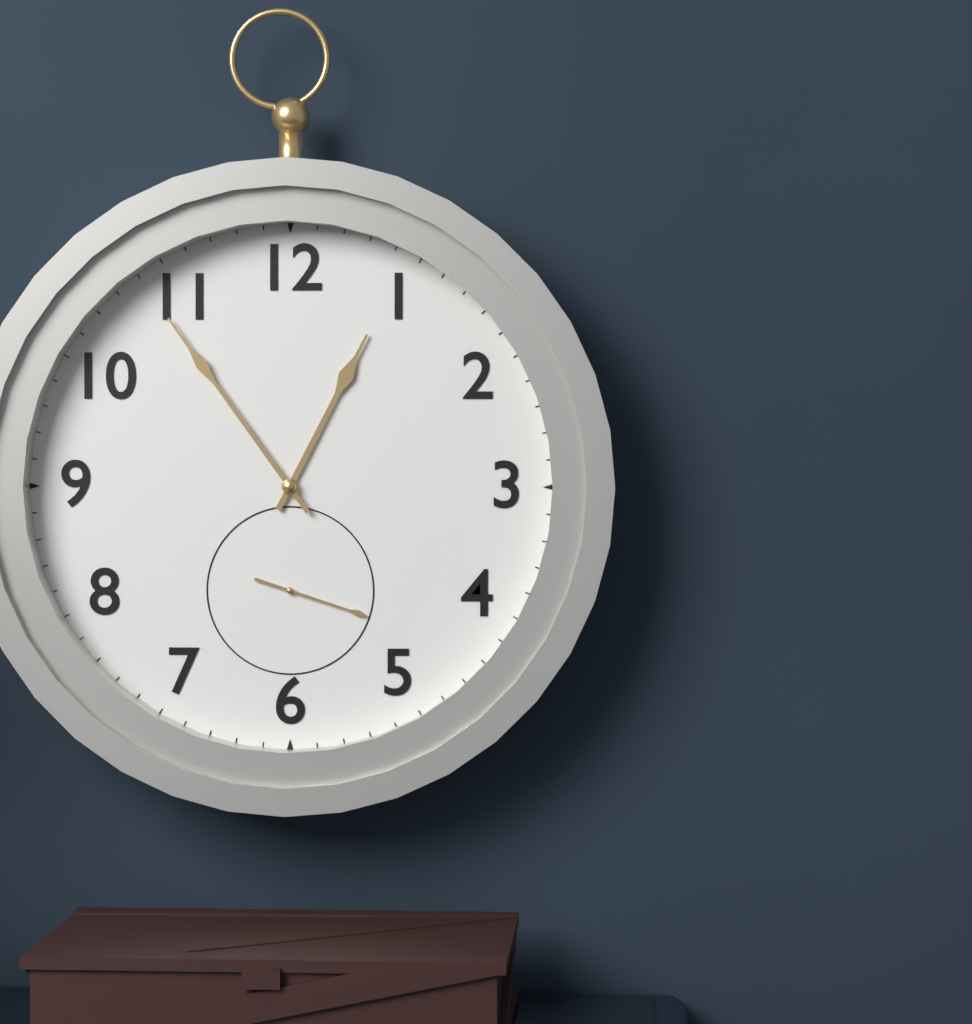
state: 12:54:18
